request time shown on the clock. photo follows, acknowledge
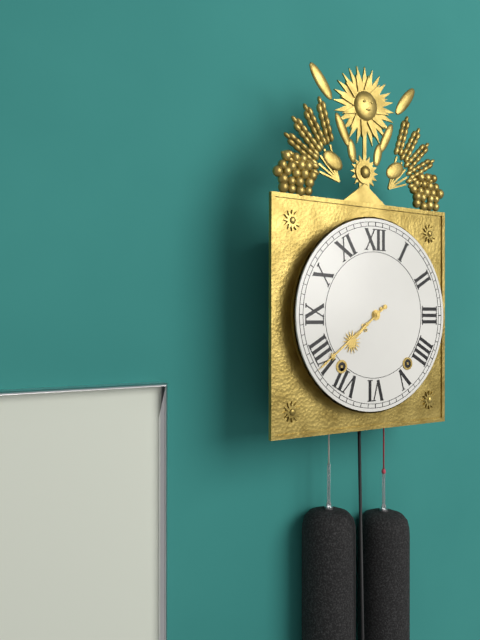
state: 7:39
